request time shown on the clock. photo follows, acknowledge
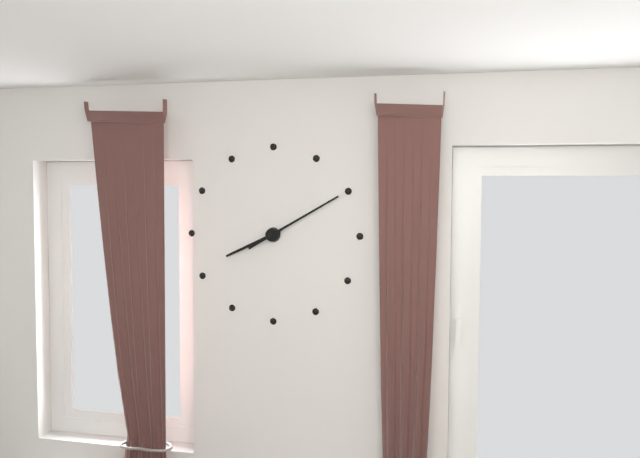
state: 8:10
